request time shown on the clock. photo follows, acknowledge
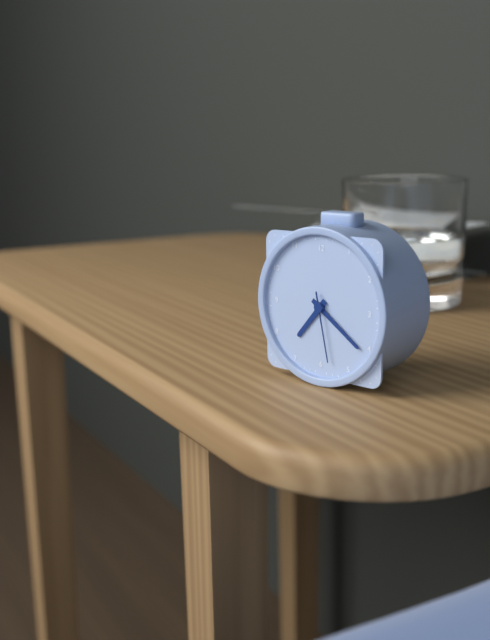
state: 7:21:28
